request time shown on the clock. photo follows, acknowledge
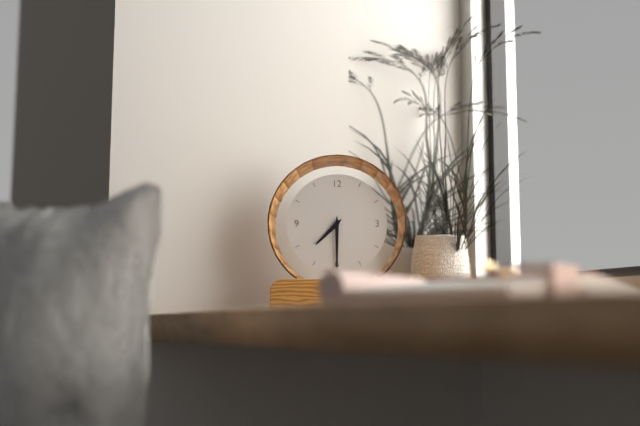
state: 7:30
